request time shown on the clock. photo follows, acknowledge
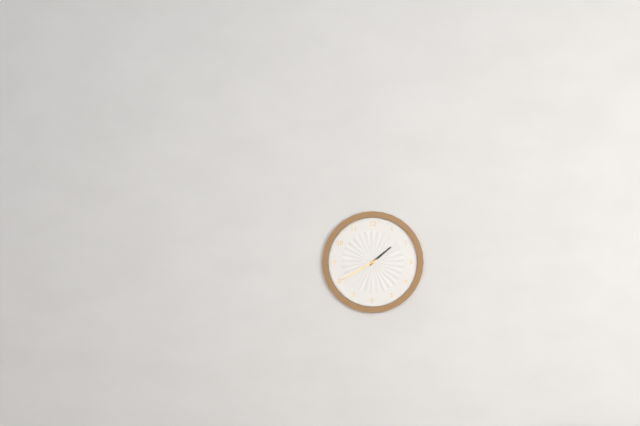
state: 1:40
